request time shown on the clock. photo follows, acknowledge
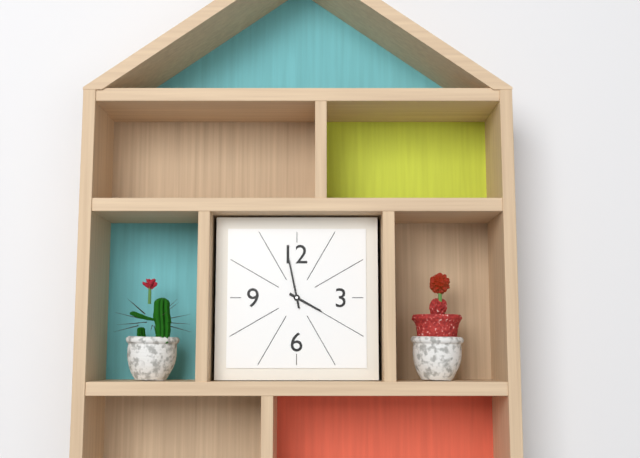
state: 3:58
